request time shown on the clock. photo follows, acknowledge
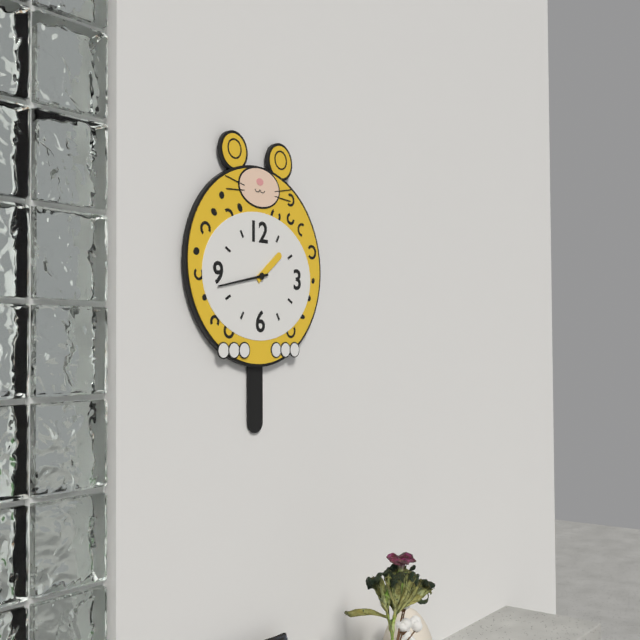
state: 1:43
